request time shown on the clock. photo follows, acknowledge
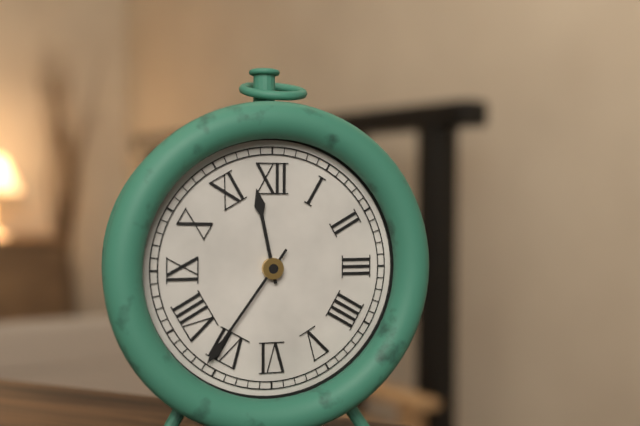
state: 11:36
